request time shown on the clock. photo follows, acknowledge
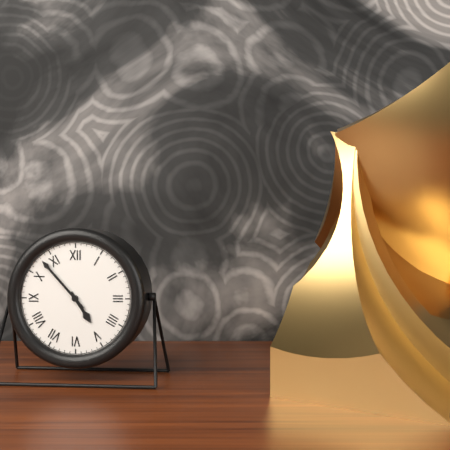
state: 4:53
